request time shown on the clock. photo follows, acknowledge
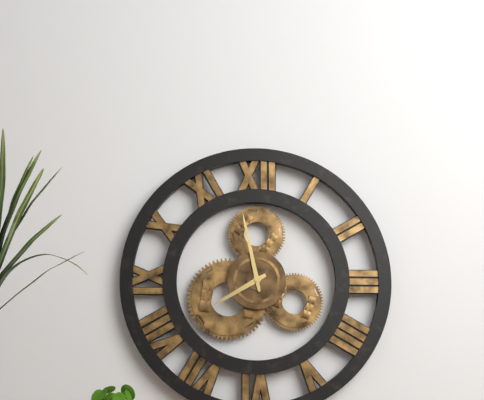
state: 7:58
